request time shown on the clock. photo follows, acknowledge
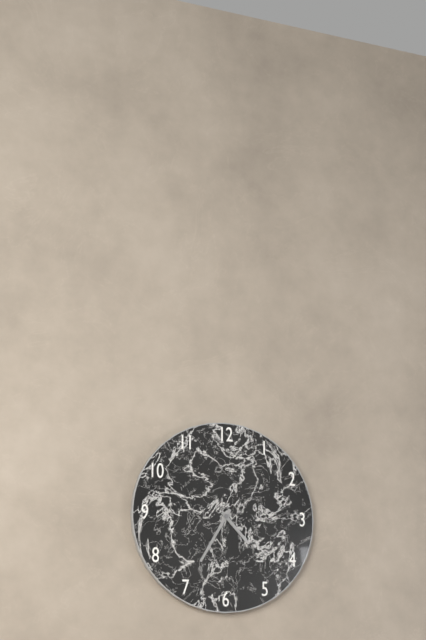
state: 4:35
